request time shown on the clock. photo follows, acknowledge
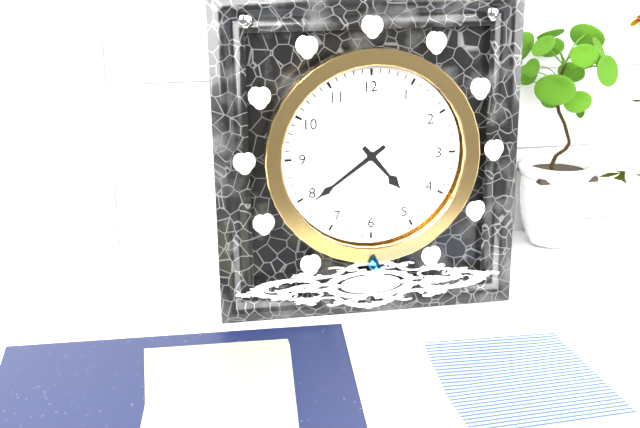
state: 4:39
